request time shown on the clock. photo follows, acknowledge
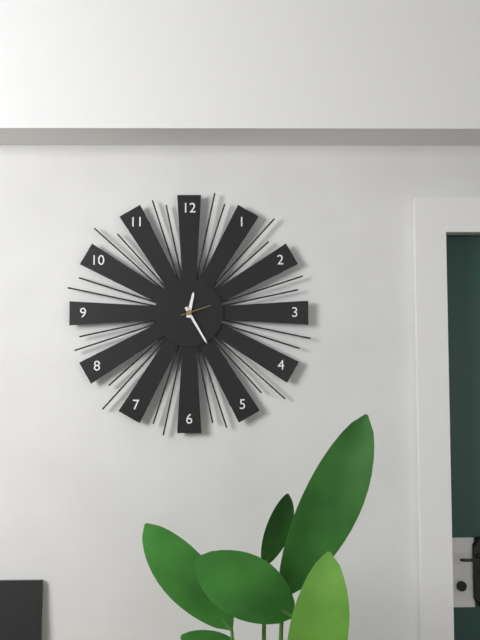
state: 12:25
